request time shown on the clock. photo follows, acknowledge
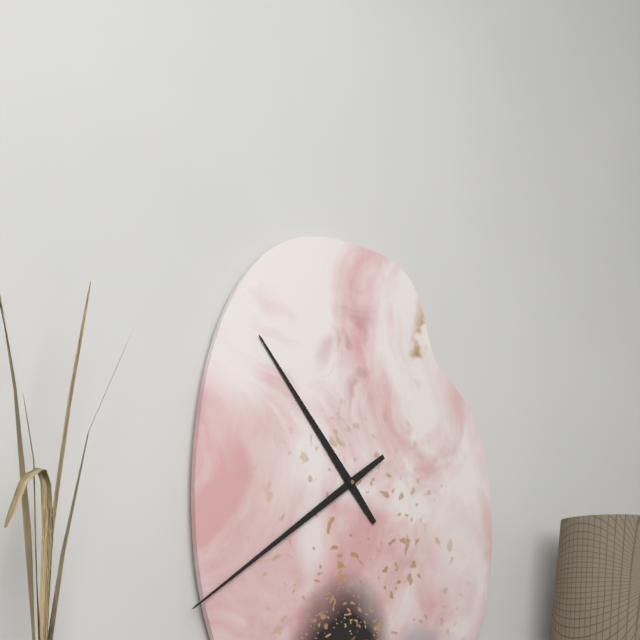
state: 10:39
